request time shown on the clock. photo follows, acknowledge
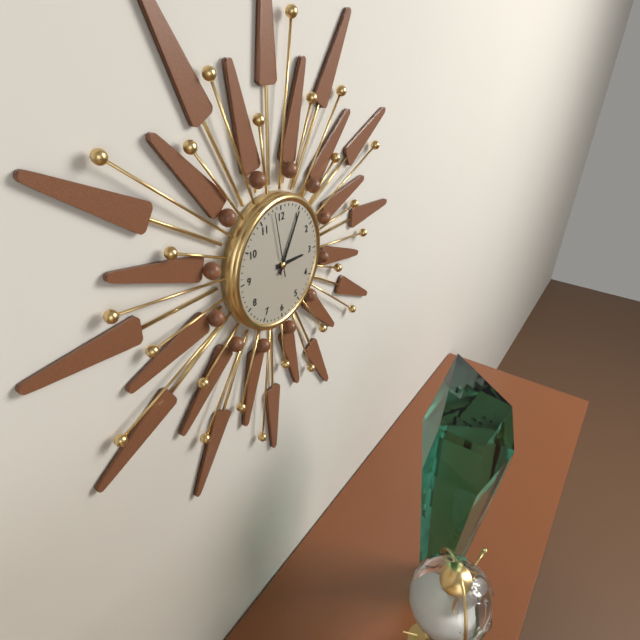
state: 3:05:58
